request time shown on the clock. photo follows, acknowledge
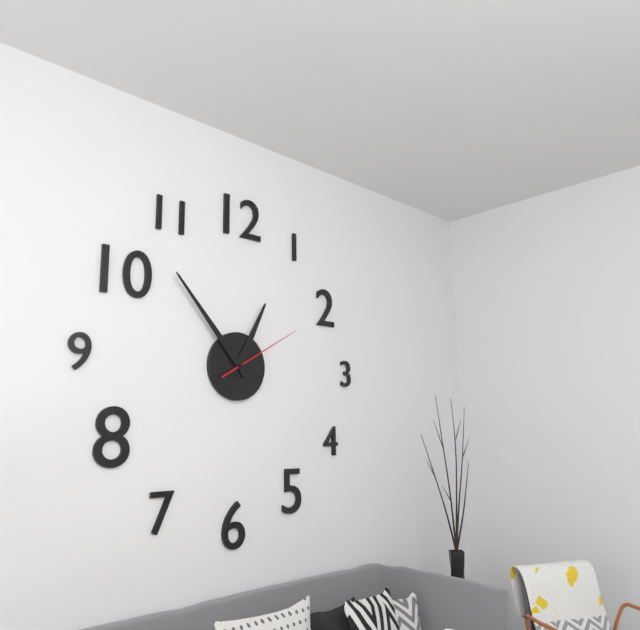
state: 12:53:10
